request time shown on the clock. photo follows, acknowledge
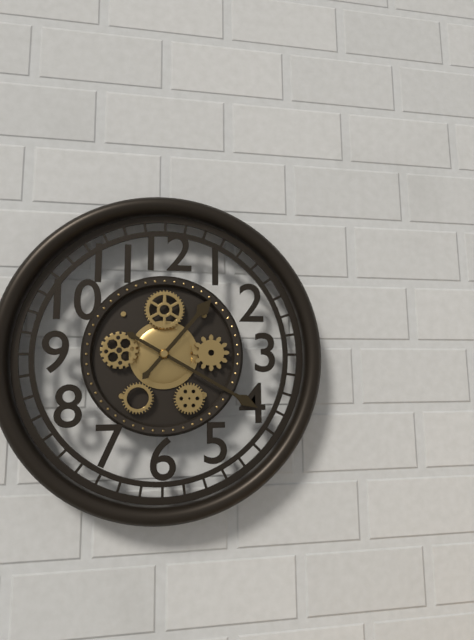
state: 1:20
